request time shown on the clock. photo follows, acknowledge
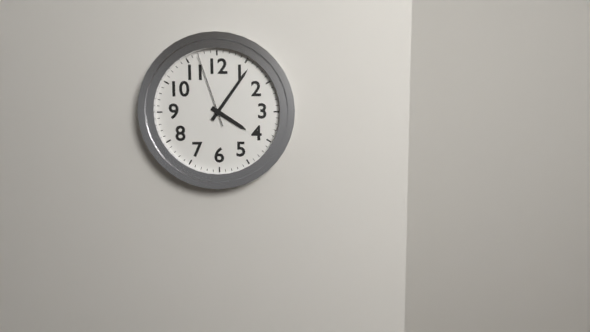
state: 4:06:57
